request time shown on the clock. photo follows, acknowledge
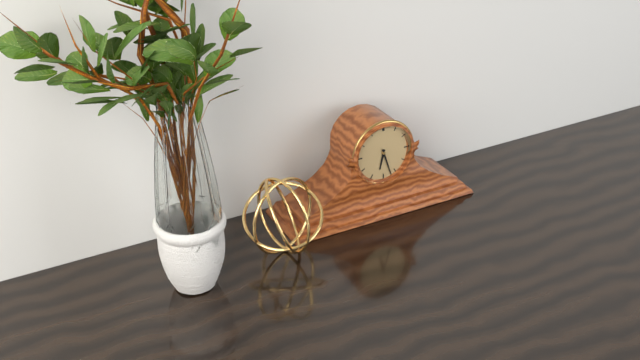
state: 6:27
